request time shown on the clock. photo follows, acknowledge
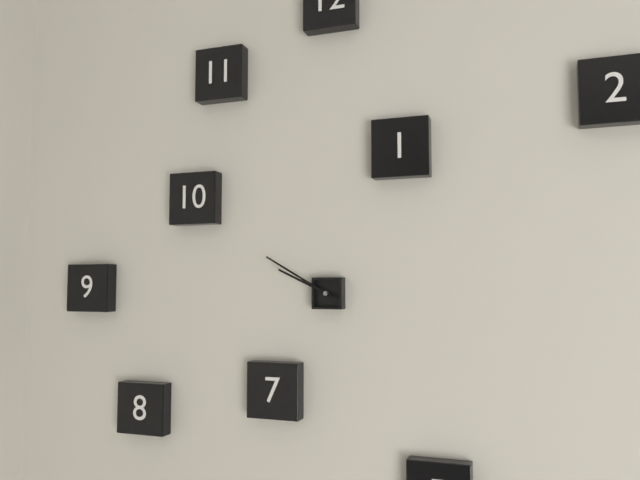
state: 9:50
